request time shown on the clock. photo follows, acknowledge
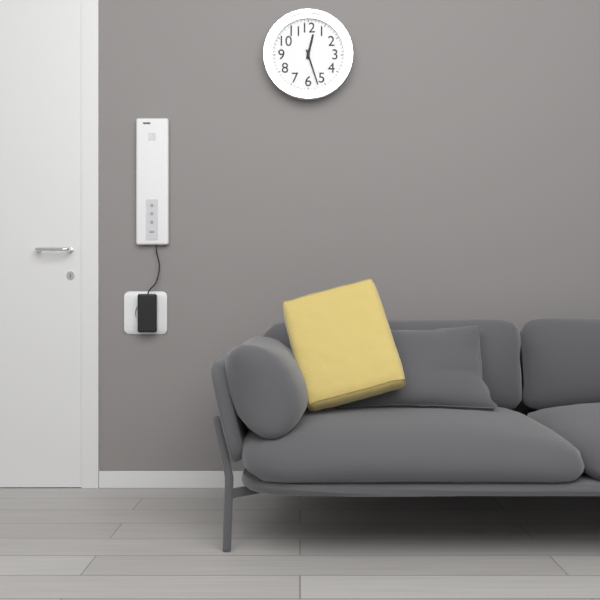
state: 12:27
